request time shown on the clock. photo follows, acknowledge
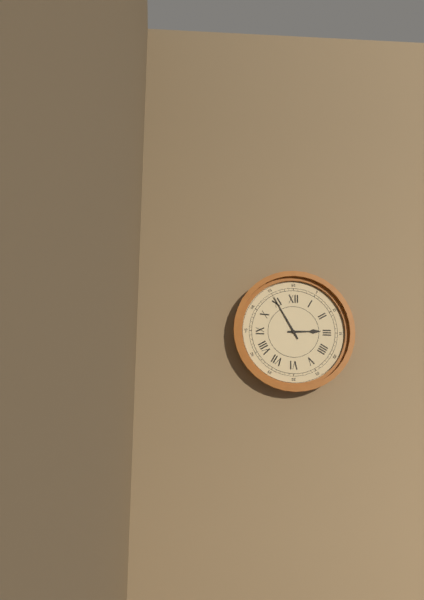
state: 2:55
